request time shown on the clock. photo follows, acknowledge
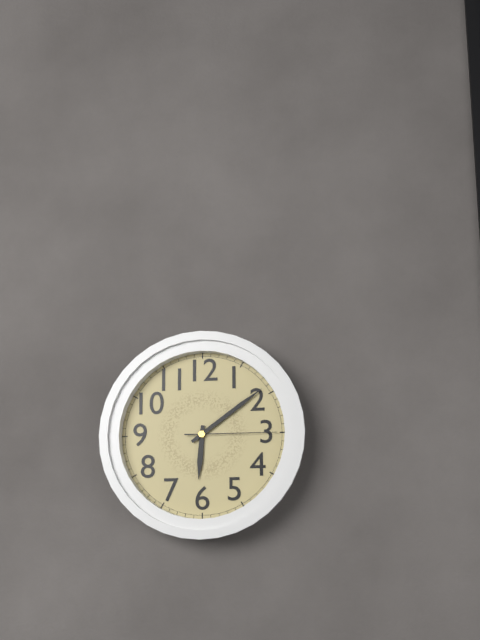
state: 6:09:15
